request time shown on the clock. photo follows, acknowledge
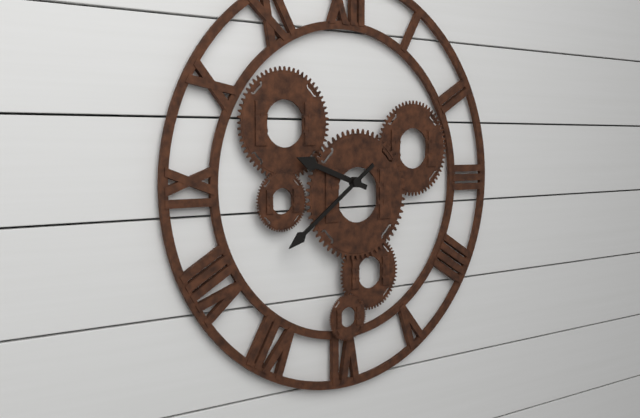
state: 9:39
